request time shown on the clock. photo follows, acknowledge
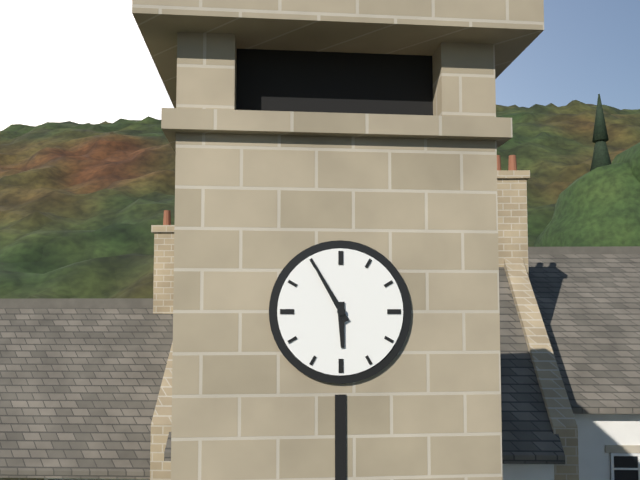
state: 5:55
